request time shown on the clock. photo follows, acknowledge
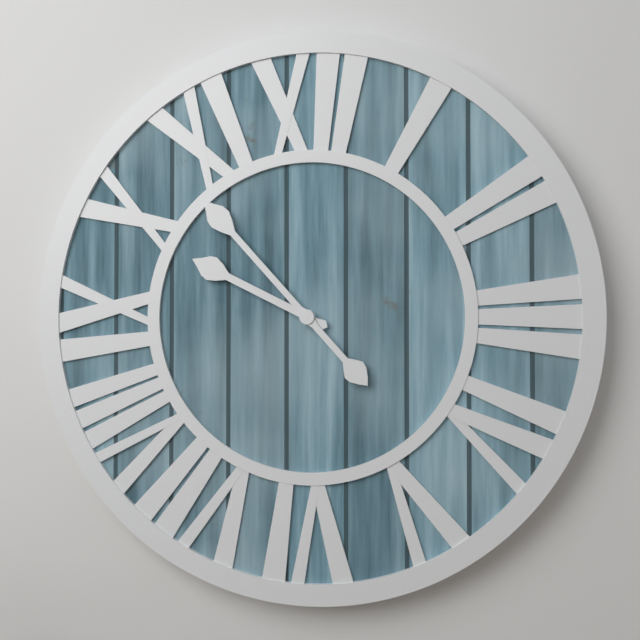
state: 9:53
